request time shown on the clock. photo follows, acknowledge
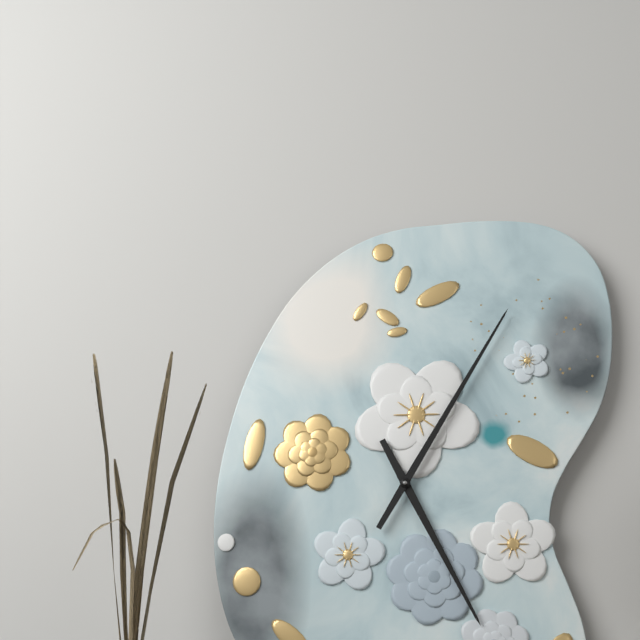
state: 5:05
